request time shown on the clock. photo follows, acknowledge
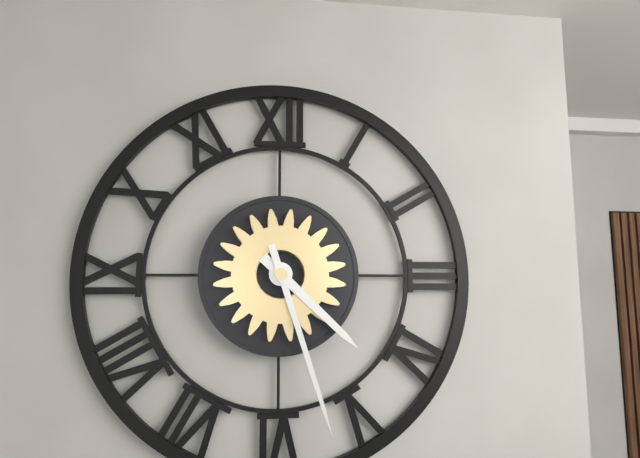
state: 4:27
